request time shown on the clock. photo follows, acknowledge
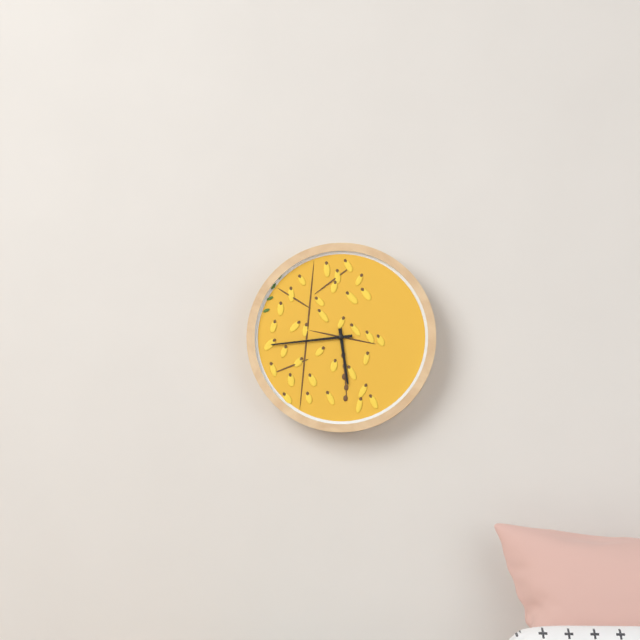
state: 5:44
